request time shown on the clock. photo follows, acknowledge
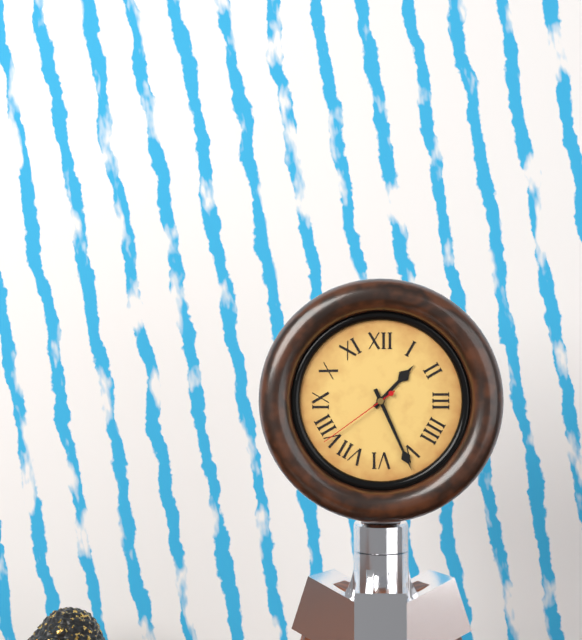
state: 1:26:39
